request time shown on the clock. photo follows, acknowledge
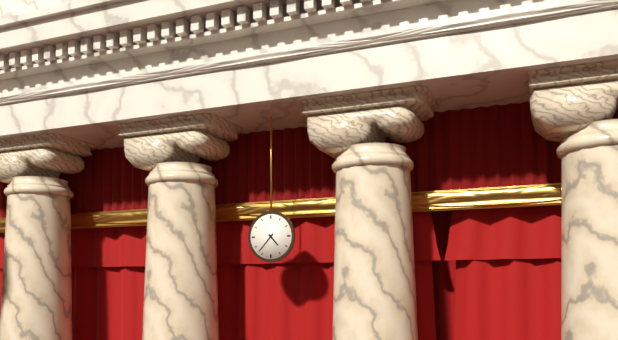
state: 4:37
